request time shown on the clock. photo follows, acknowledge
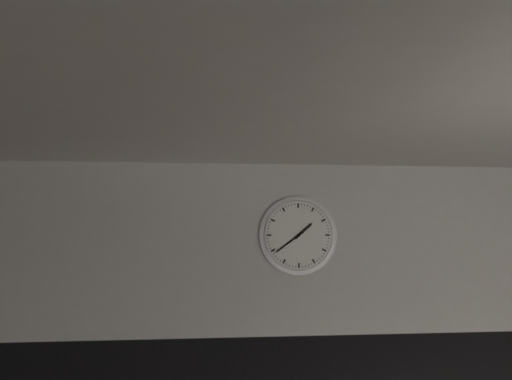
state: 1:39
